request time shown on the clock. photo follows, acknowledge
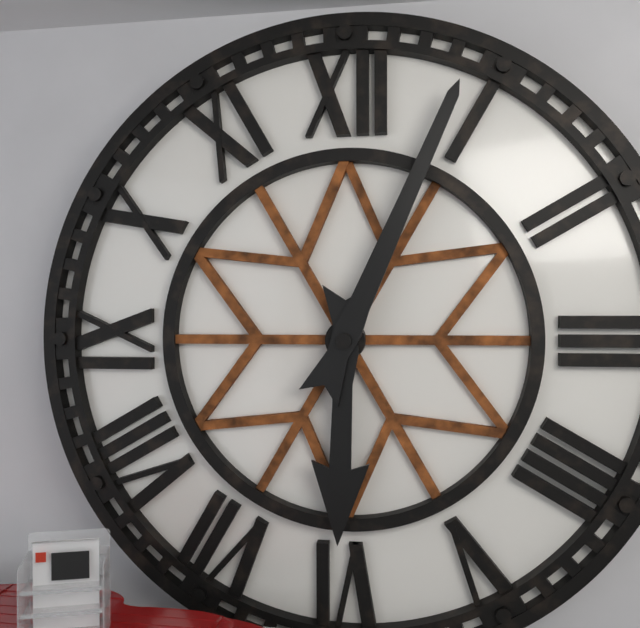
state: 6:04
